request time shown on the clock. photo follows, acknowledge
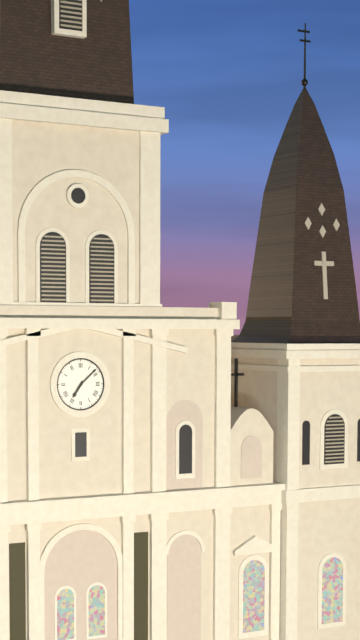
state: 7:08
